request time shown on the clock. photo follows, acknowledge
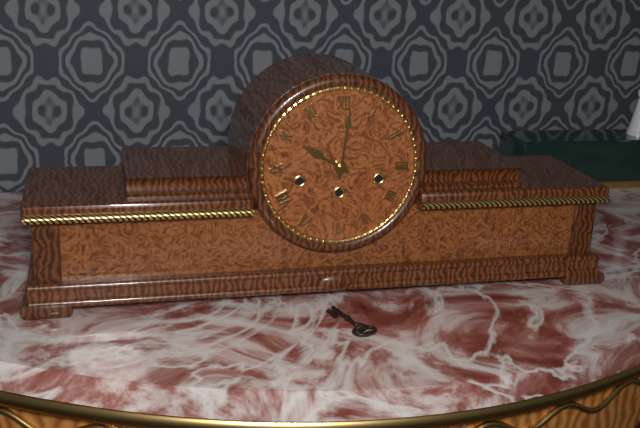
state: 10:01
